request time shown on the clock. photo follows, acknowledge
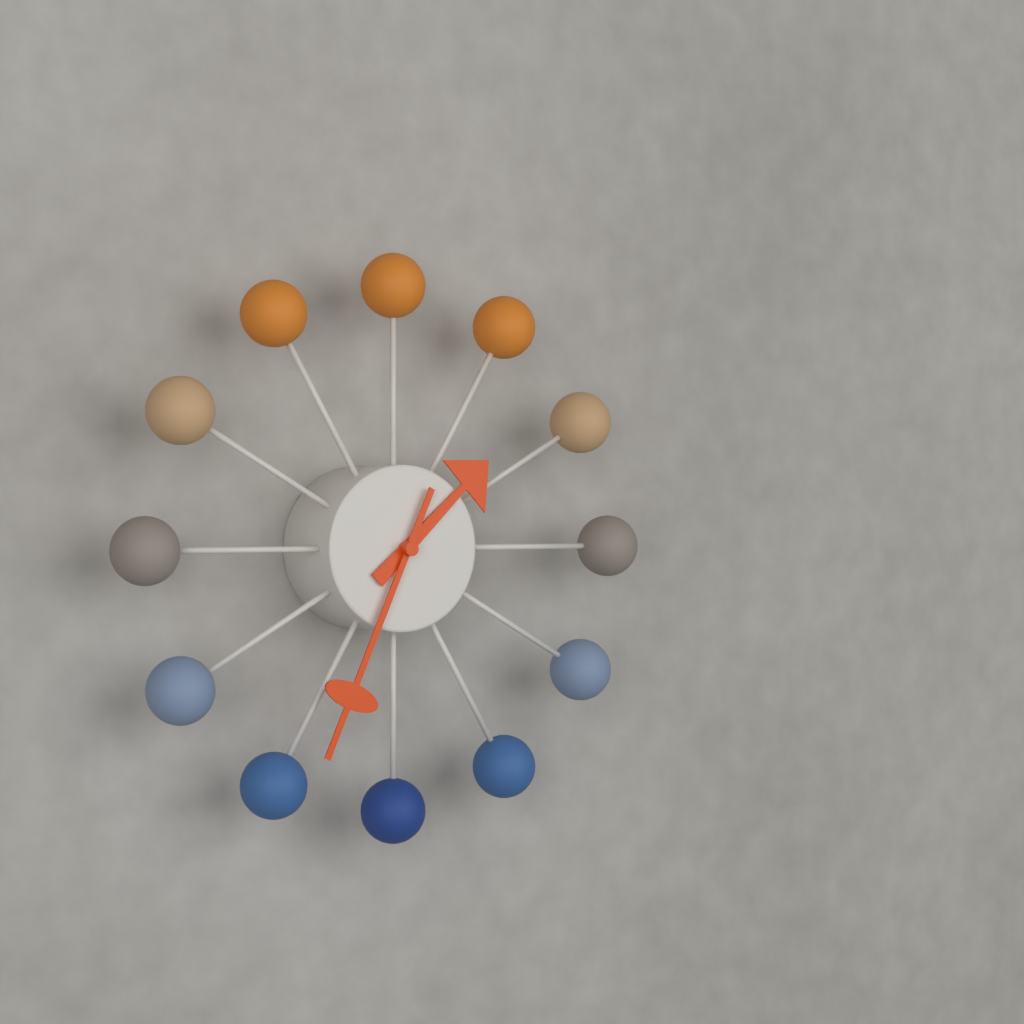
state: 1:34
